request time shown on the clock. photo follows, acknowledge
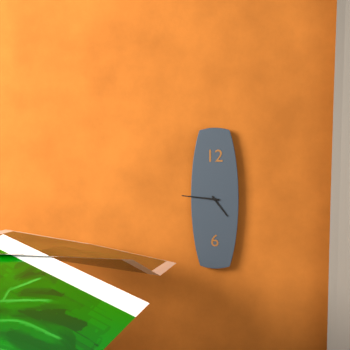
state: 4:46
